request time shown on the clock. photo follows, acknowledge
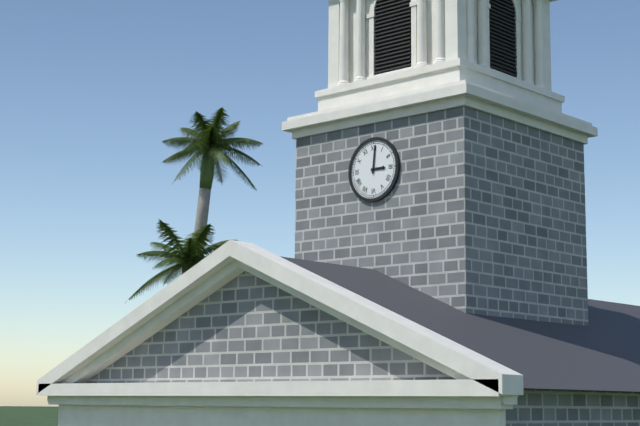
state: 3:01
